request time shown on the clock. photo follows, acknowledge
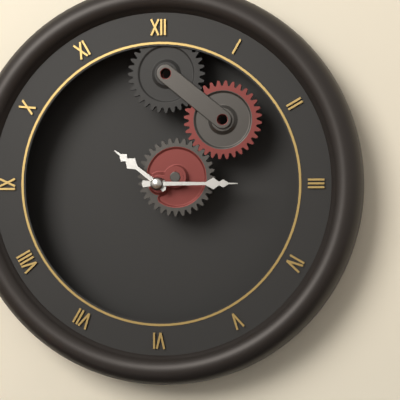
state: 10:15
